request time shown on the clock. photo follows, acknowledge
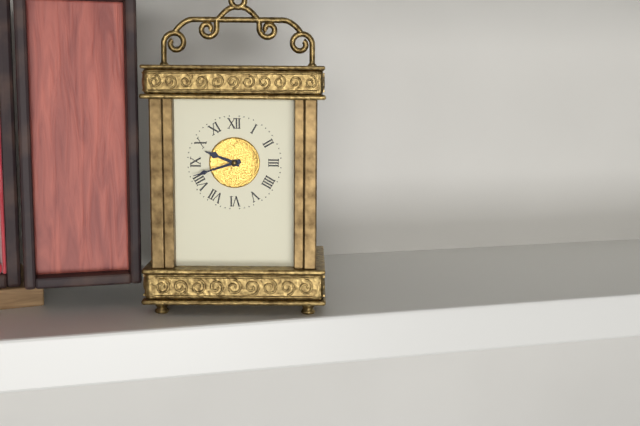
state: 9:42
